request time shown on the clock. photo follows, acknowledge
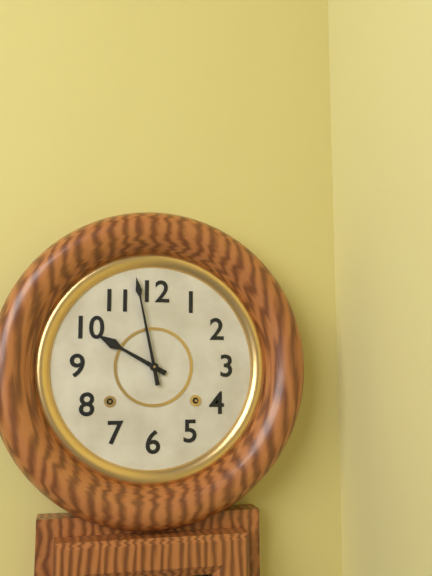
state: 9:58
